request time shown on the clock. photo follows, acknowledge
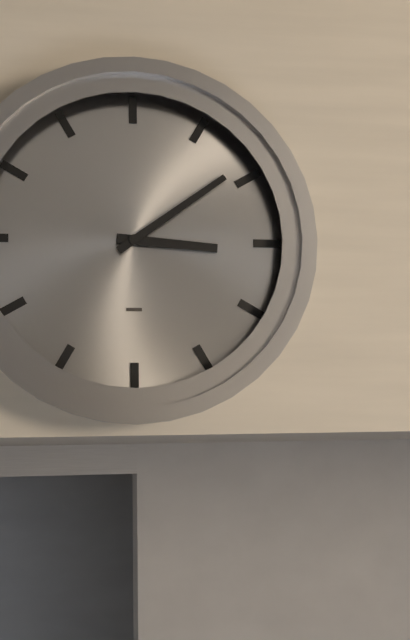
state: 3:09
